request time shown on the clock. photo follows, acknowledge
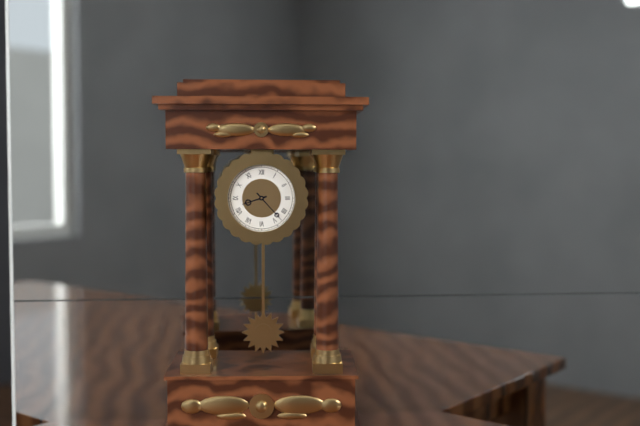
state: 8:23
